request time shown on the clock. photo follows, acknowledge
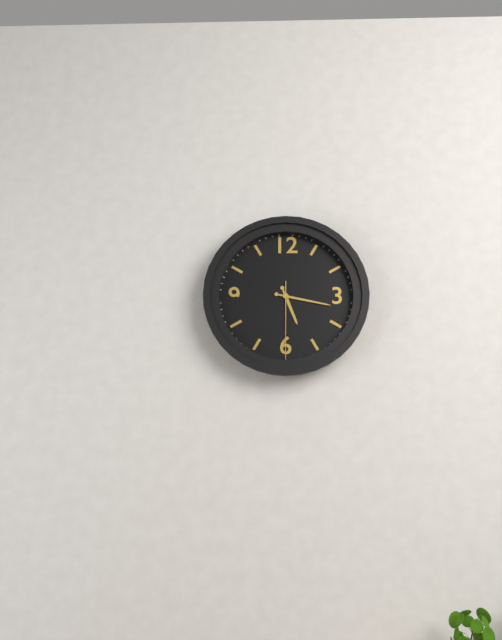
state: 5:17:30
